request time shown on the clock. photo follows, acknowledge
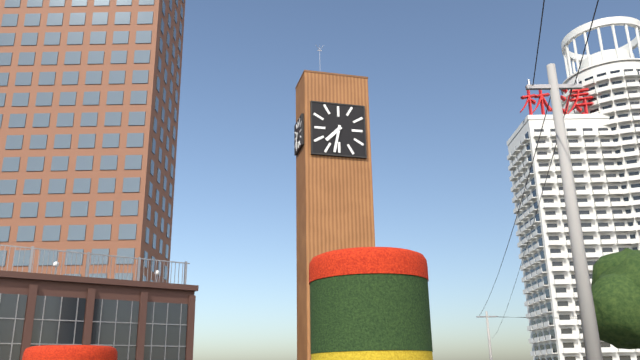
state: 7:32
